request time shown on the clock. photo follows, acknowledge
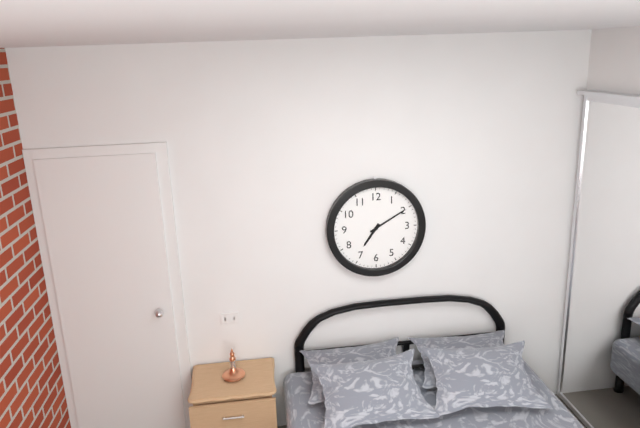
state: 7:10
